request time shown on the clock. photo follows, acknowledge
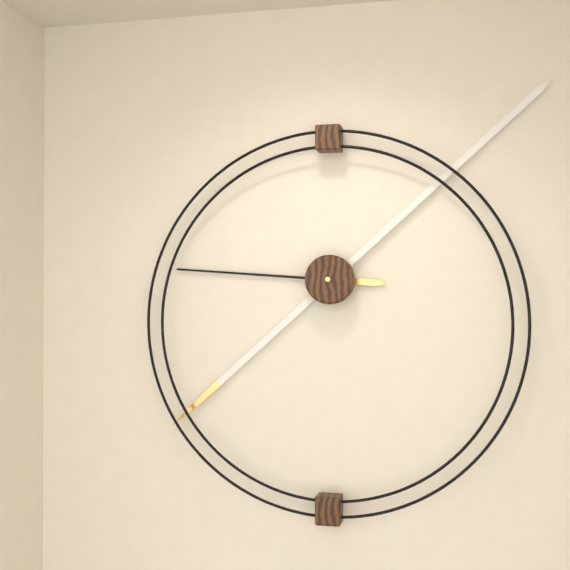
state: 9:08
